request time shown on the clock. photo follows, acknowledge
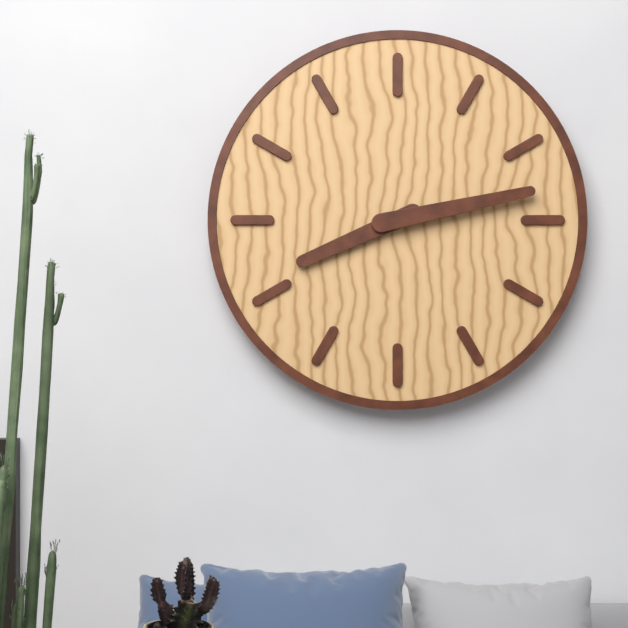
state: 8:13
